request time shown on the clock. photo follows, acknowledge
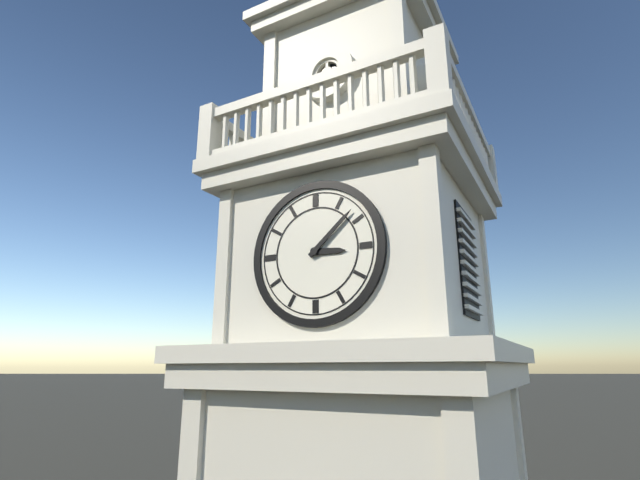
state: 3:08
